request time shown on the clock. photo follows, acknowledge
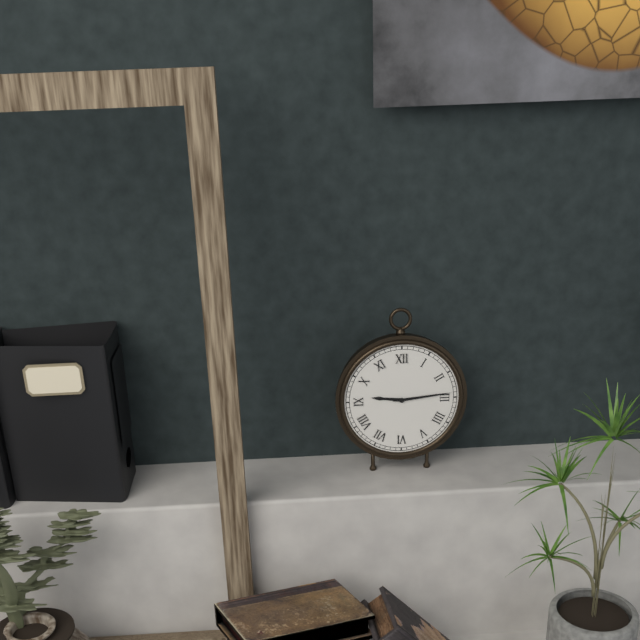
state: 9:14
